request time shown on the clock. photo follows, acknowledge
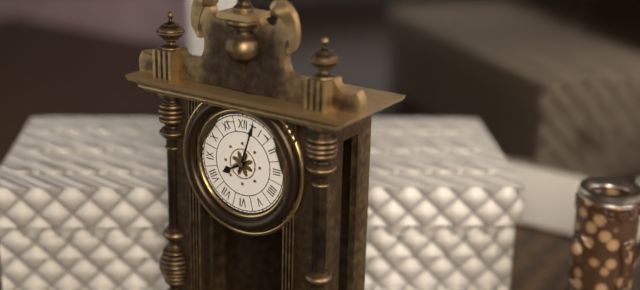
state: 8:03
